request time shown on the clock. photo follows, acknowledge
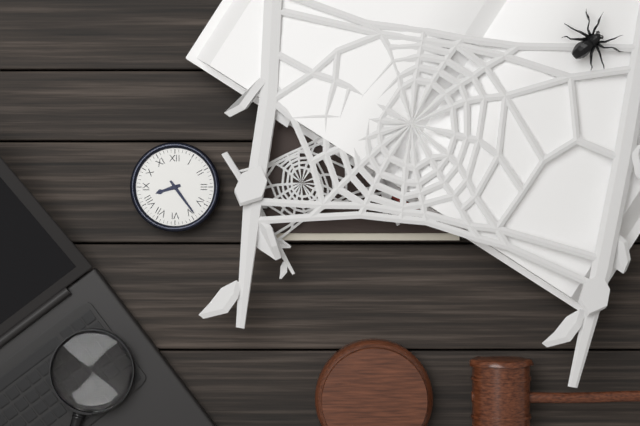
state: 8:24
